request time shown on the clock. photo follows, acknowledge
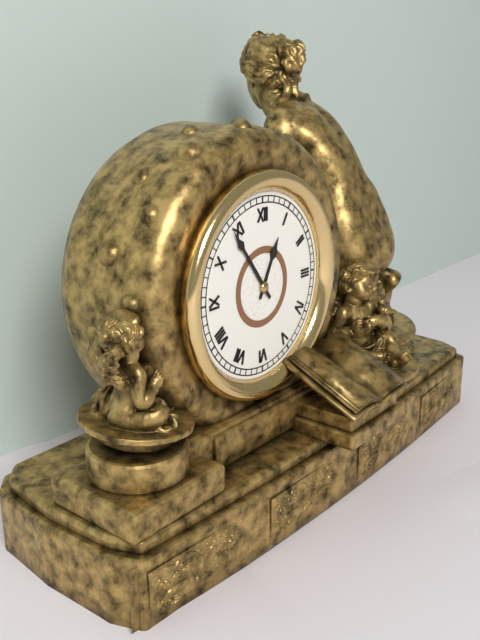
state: 12:54
